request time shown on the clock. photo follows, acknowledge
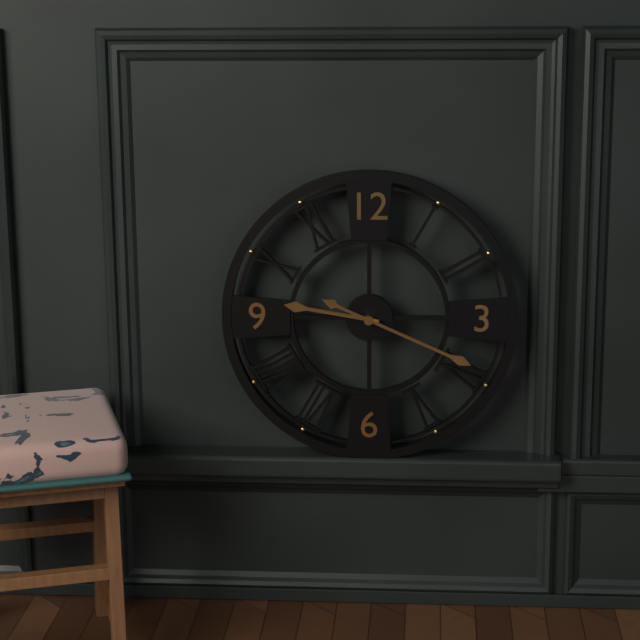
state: 9:19
